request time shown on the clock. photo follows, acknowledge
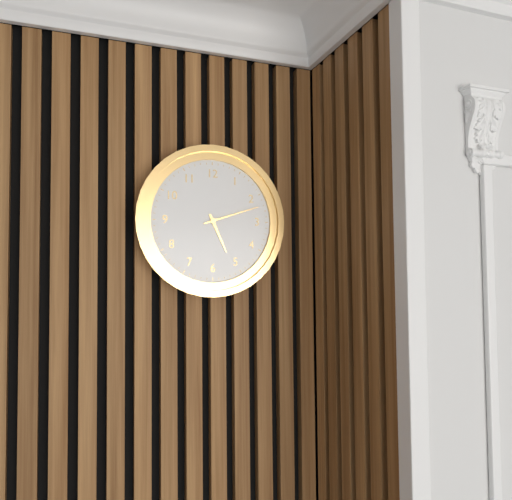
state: 5:12
